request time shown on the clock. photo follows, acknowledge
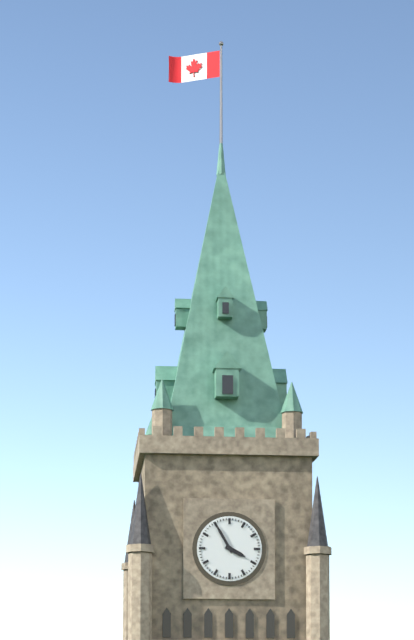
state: 3:55
